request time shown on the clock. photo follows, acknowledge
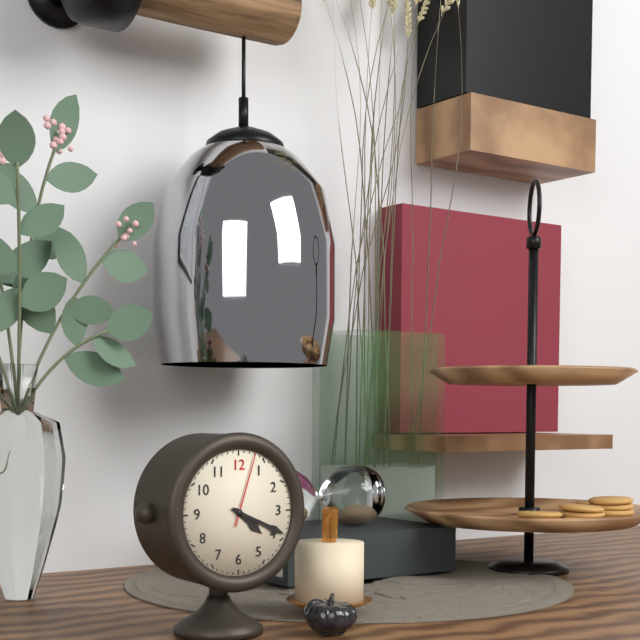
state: 4:19:03
